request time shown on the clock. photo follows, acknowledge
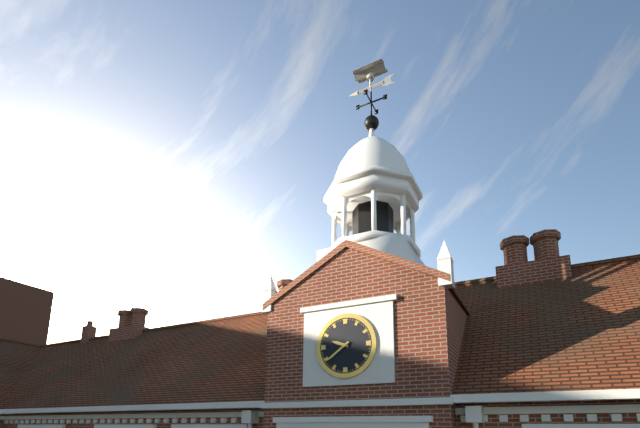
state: 9:39
